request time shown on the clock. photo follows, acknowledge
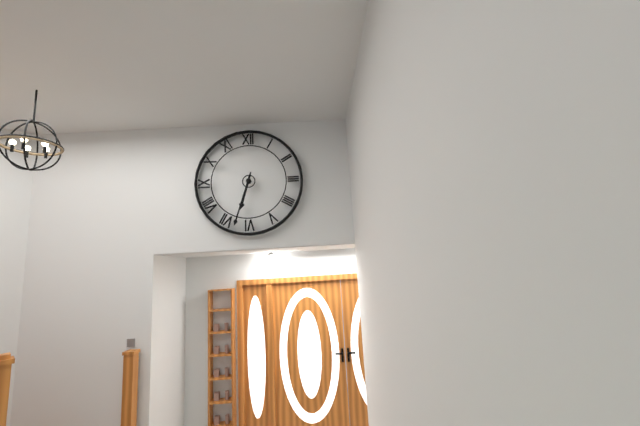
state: 6:33
